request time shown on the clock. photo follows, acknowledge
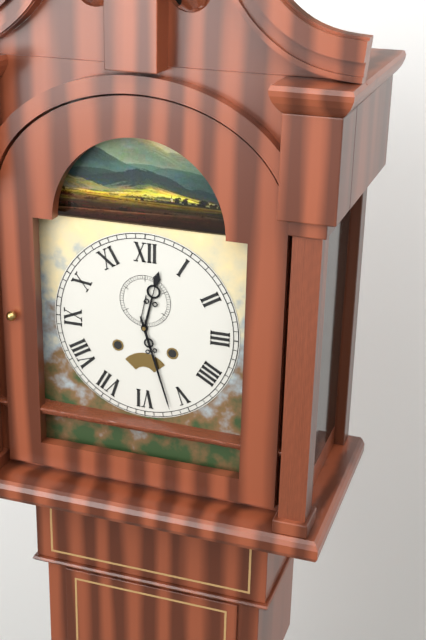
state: 12:27
